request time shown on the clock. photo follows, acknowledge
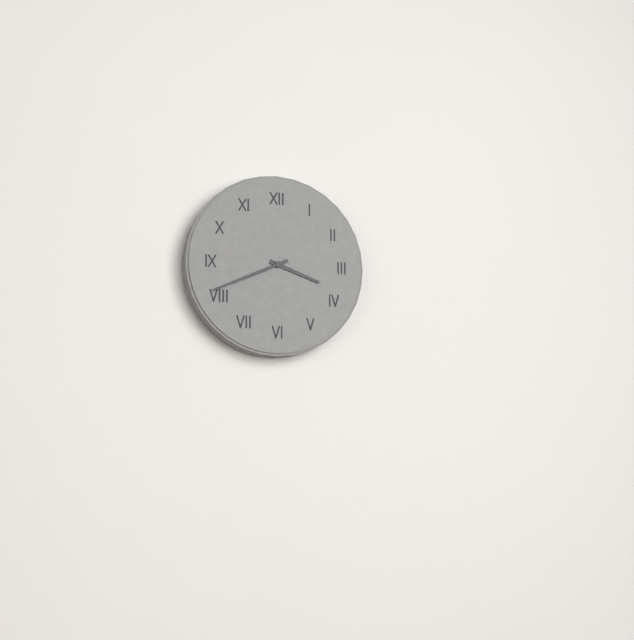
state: 3:41
